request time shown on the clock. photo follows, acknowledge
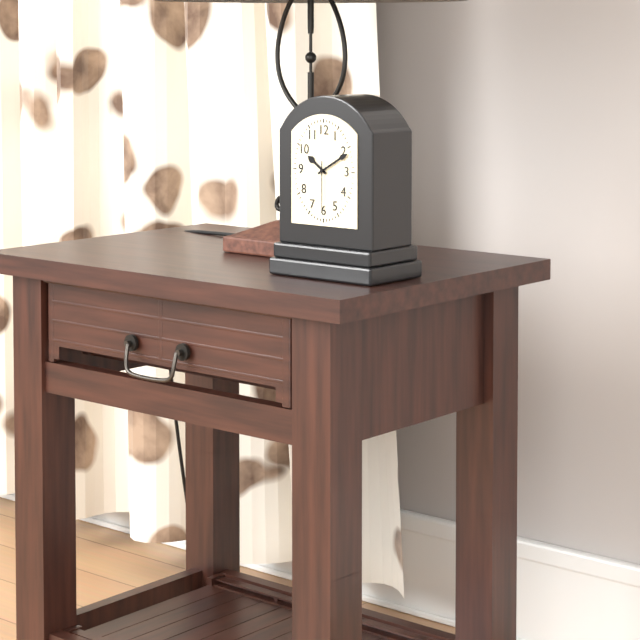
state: 10:10
